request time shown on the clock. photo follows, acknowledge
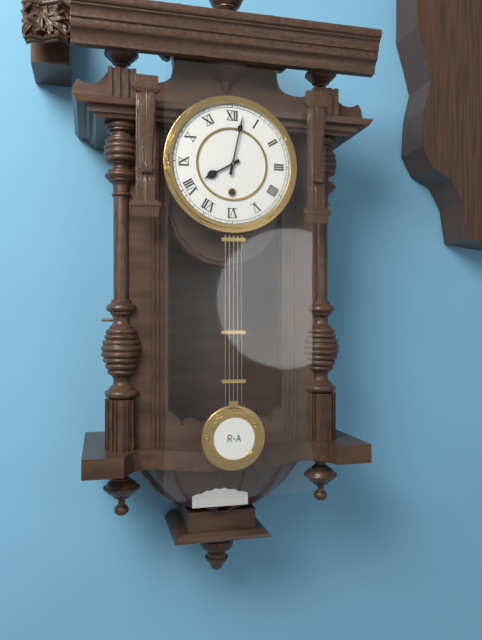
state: 8:02
